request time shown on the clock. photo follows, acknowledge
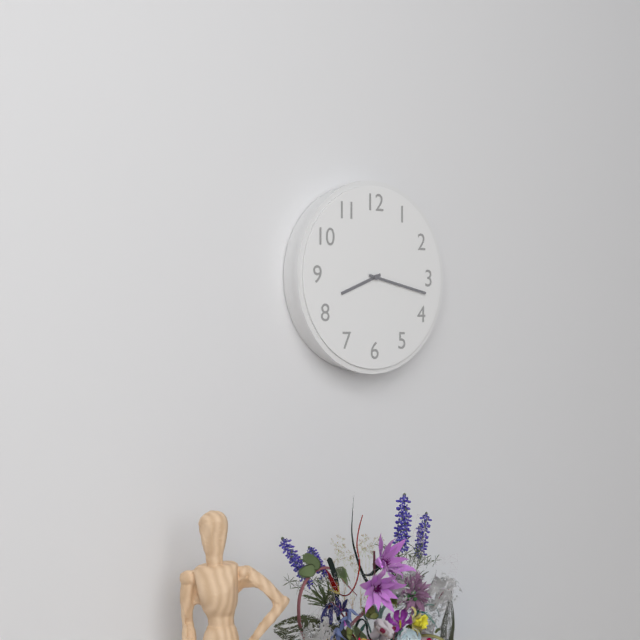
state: 8:17
